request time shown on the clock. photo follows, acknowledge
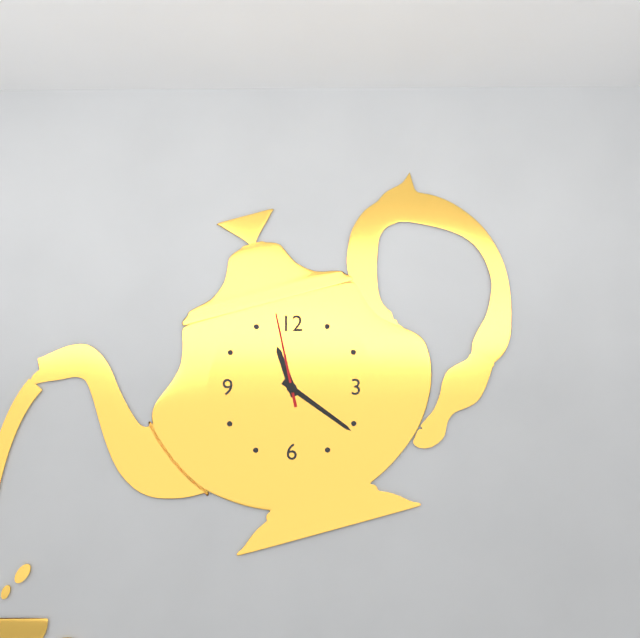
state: 11:21:58
